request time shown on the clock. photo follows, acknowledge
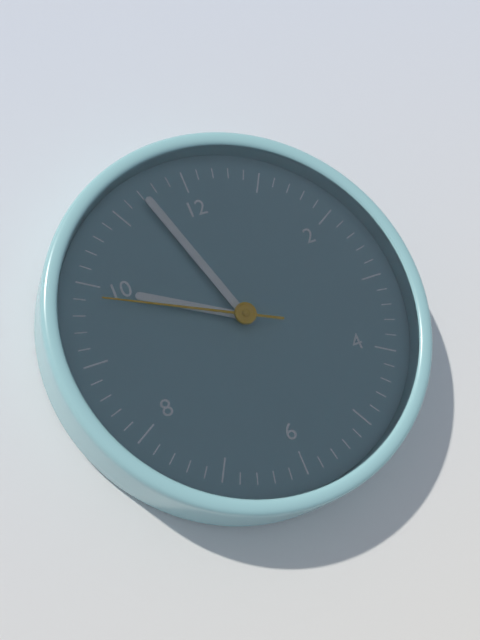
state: 9:57:49
